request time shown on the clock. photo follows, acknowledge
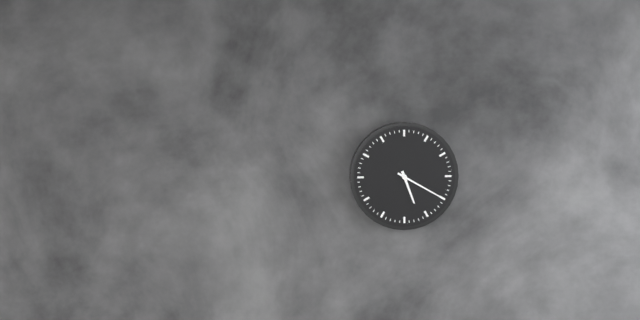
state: 5:20
